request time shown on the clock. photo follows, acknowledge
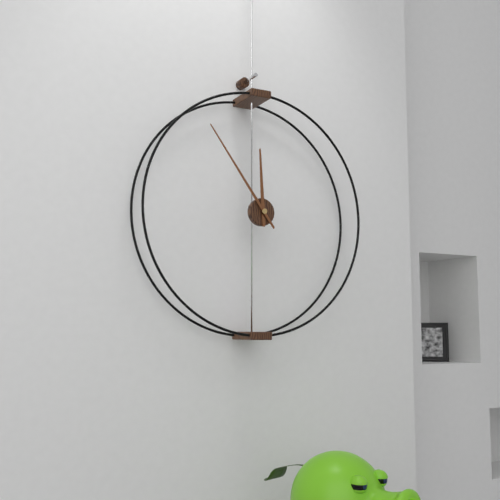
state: 11:54
